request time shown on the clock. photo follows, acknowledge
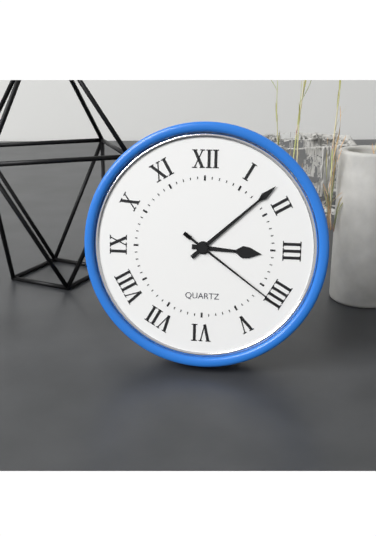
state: 3:08:21
